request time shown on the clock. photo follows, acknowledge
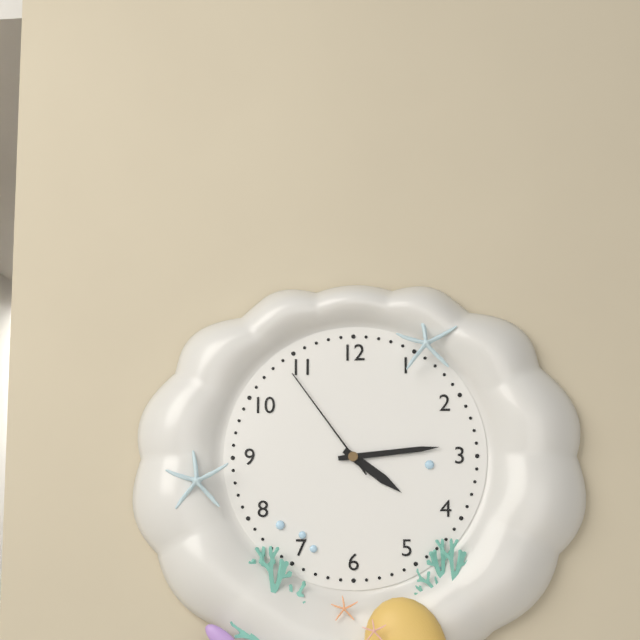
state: 4:14:54
